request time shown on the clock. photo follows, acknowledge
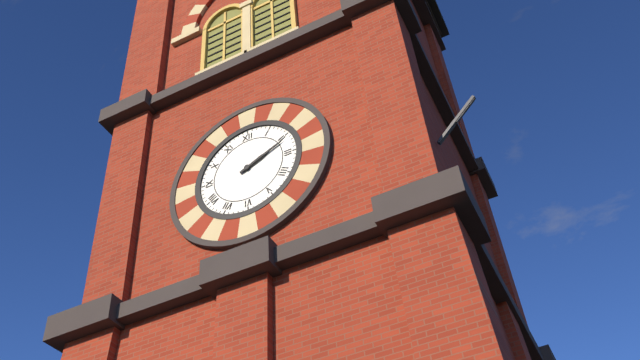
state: 2:11
